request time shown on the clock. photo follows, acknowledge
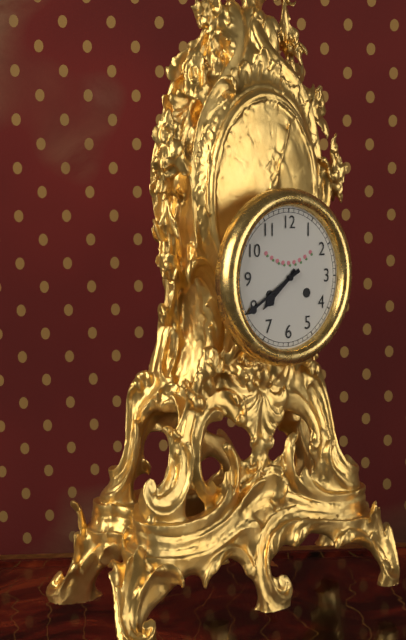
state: 7:40
